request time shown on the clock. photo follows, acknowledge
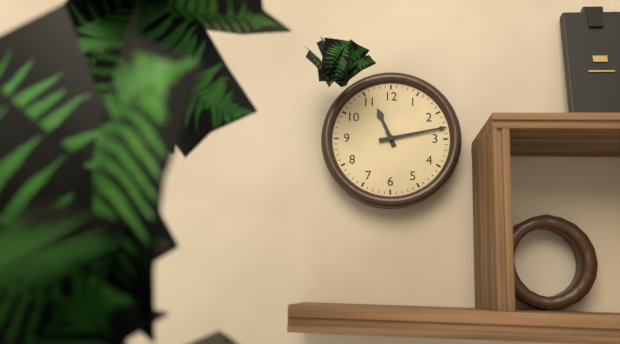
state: 11:13
